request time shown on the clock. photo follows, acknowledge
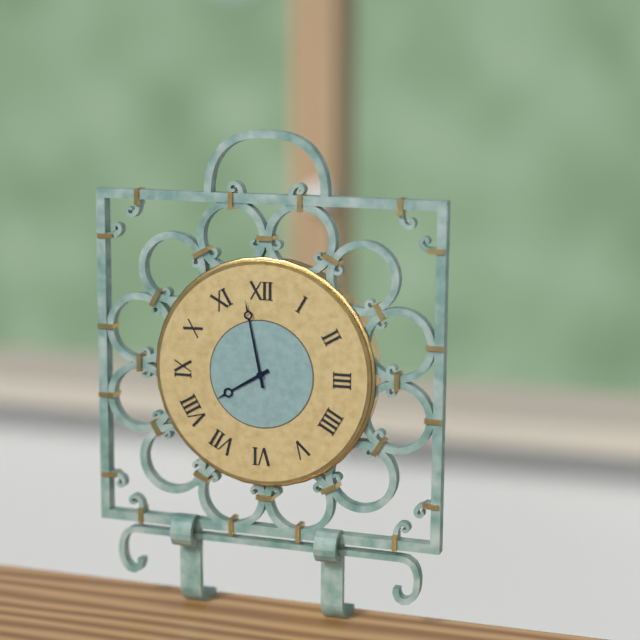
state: 7:58
